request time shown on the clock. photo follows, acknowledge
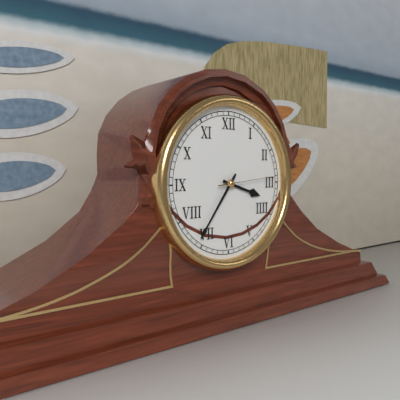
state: 3:36:14
